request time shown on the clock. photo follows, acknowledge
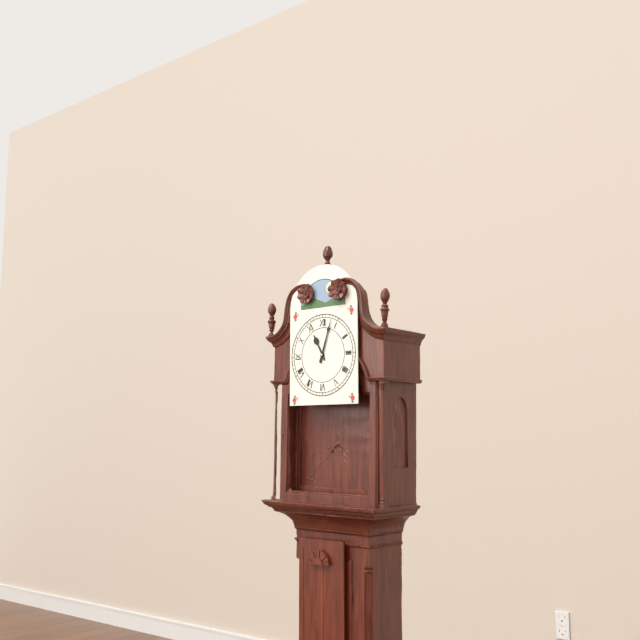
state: 11:03
